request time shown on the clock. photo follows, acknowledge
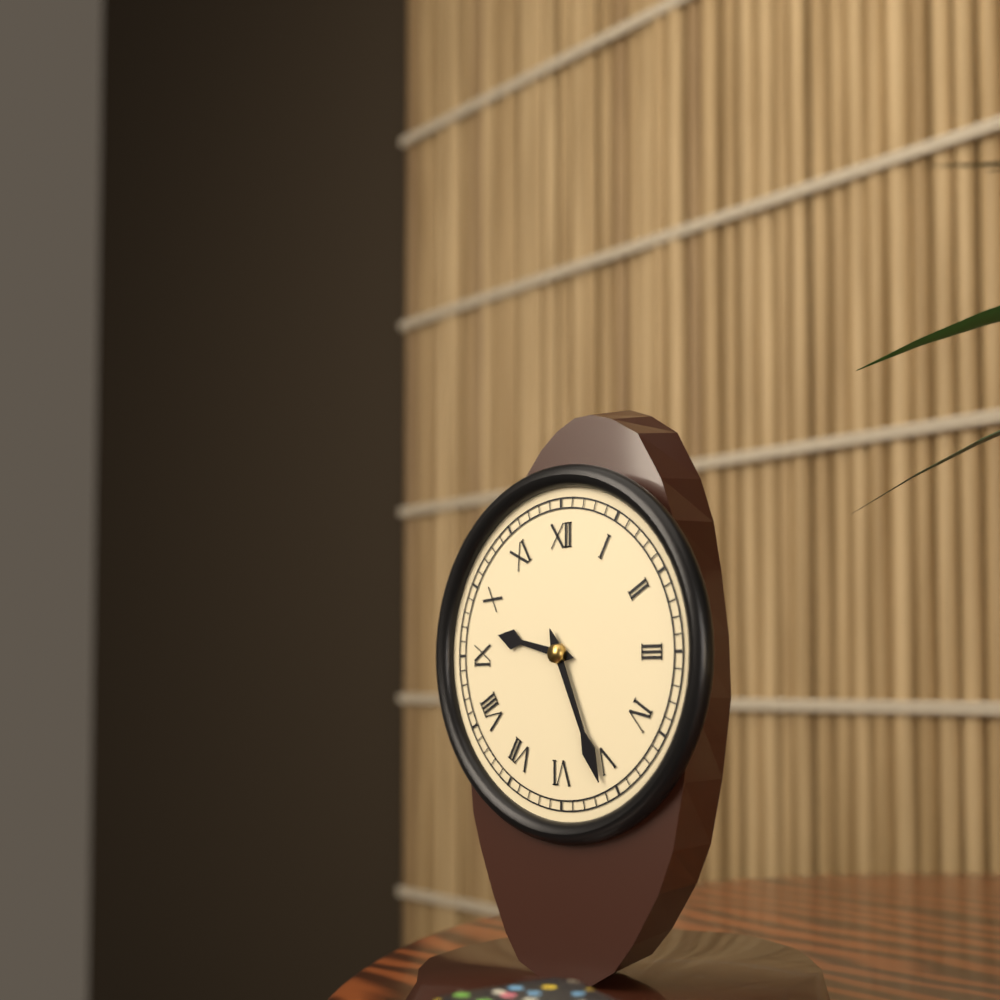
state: 9:26
